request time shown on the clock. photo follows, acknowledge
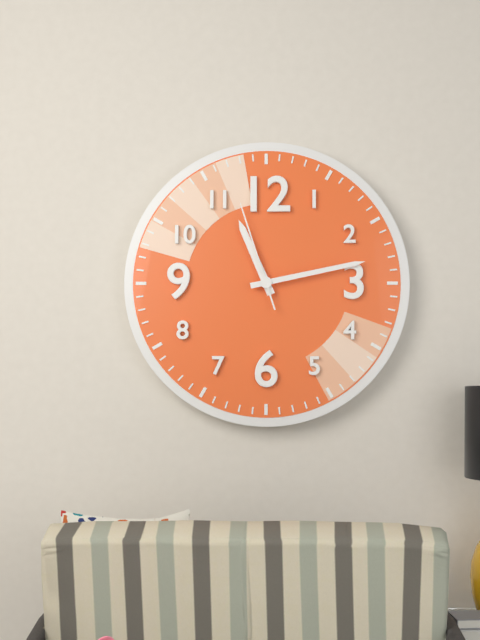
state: 11:13:57
